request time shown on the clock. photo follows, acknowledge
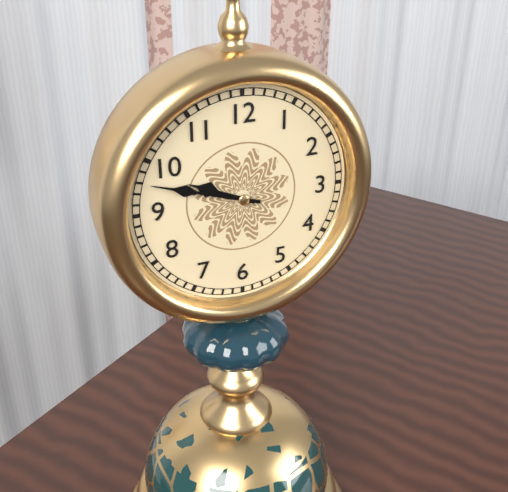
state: 9:48
